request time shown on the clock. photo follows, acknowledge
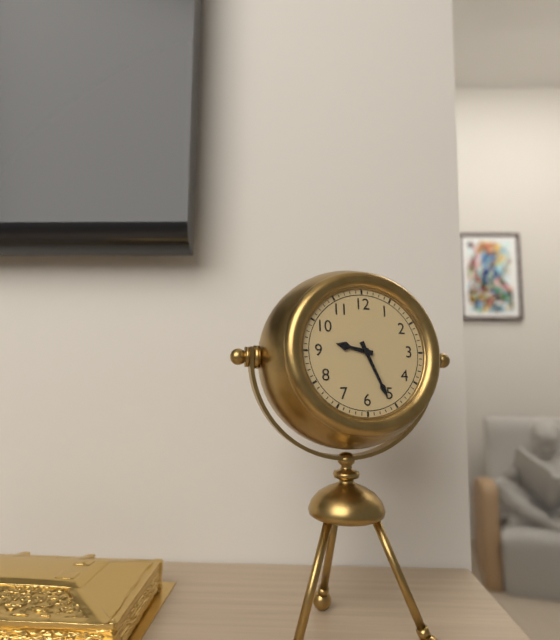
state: 9:26
